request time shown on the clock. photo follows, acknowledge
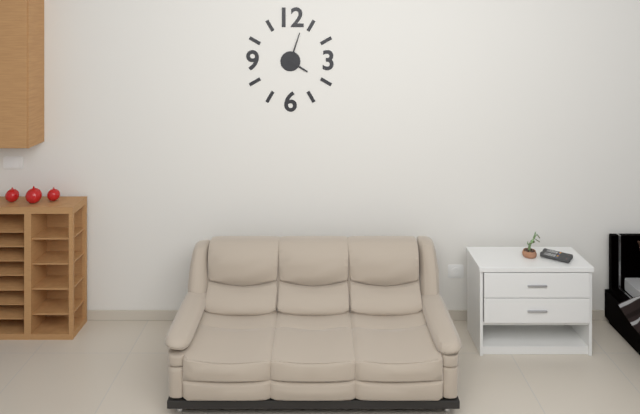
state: 4:03
